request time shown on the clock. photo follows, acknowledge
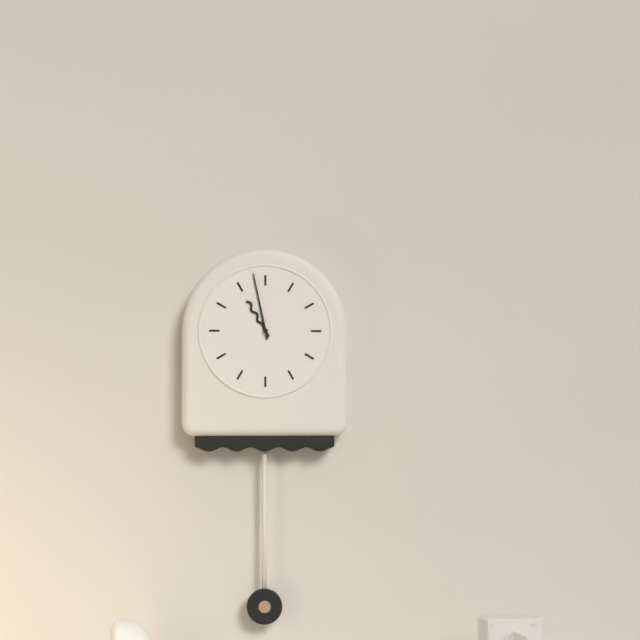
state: 10:58
